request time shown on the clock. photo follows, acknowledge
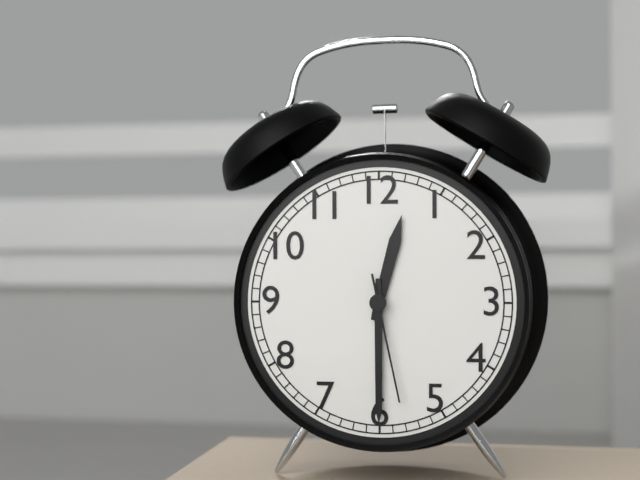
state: 12:30:28
